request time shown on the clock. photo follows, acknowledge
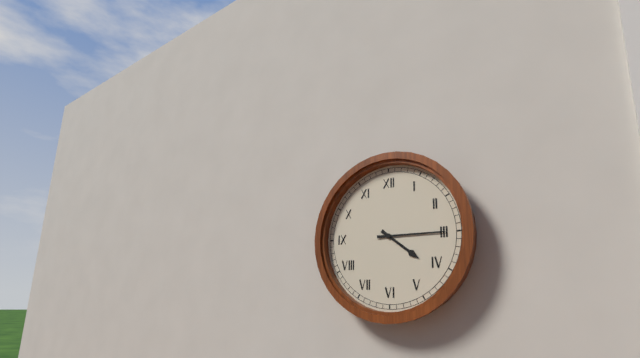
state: 4:15
